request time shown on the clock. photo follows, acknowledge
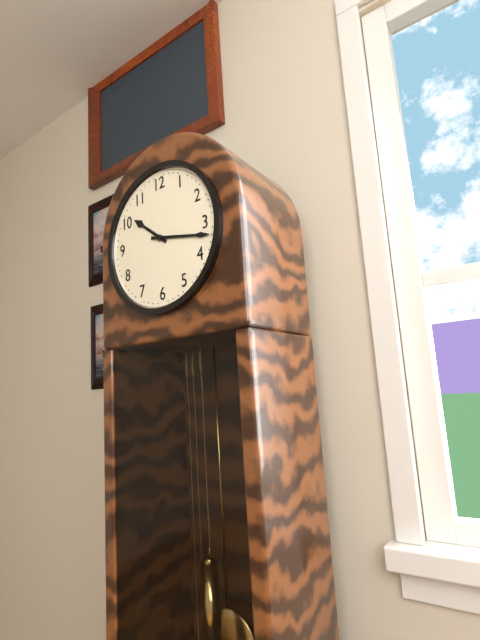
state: 10:17
